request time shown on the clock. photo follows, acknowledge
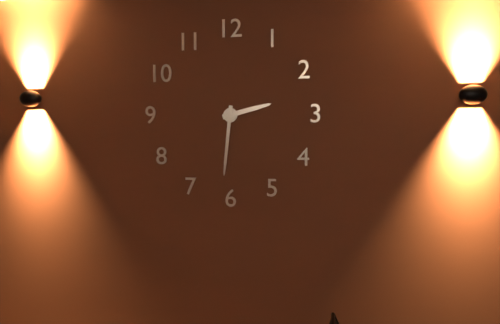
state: 2:31
